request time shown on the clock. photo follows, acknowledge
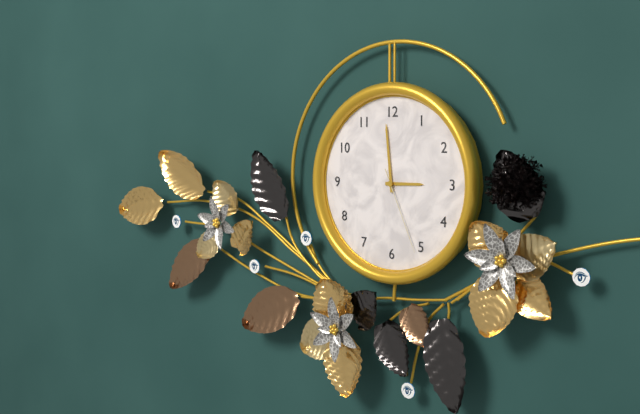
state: 2:59:26
